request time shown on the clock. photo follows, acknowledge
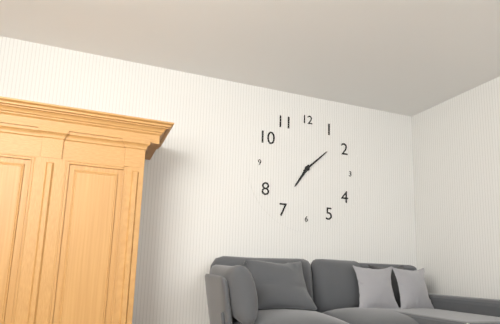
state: 7:08
